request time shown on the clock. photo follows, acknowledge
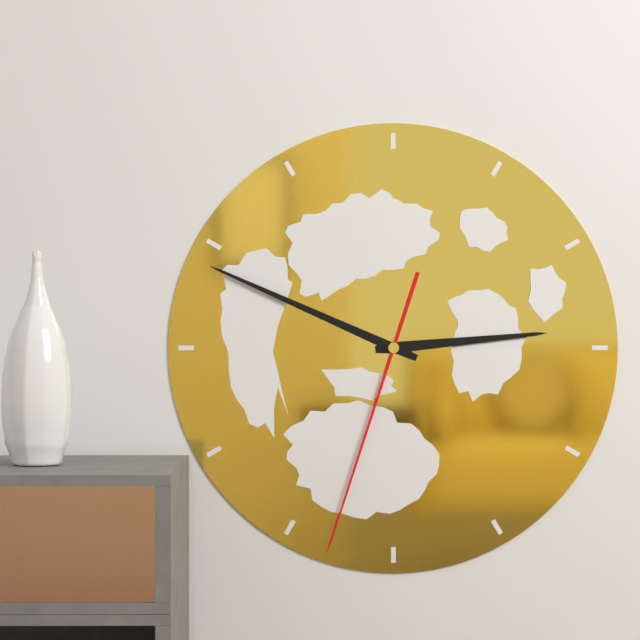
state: 2:49:33
